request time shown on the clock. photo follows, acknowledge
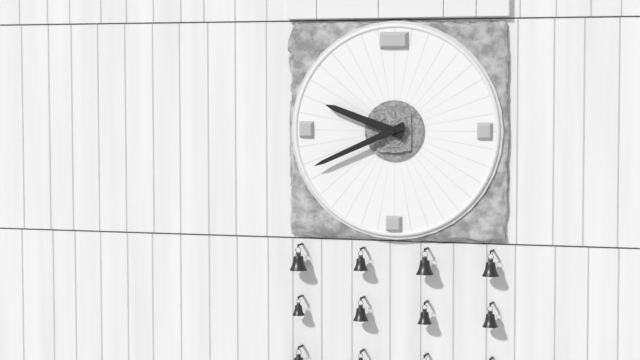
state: 9:41
